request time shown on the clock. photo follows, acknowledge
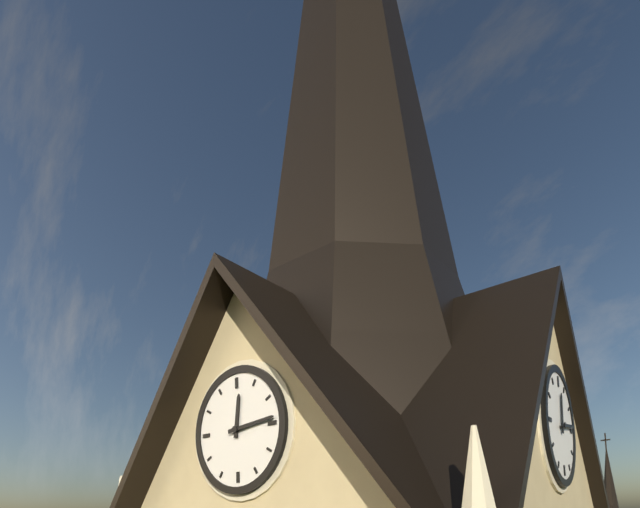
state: 12:14
